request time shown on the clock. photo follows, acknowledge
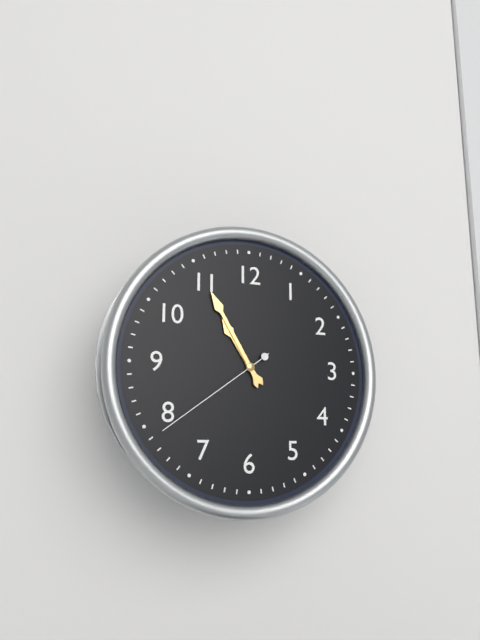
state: 10:55:39
